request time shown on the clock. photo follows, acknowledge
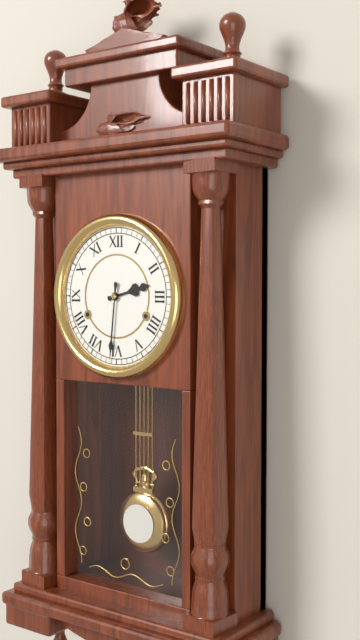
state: 2:31
